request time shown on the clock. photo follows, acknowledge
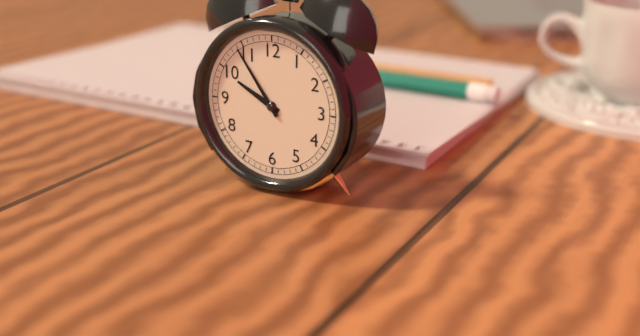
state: 9:54
